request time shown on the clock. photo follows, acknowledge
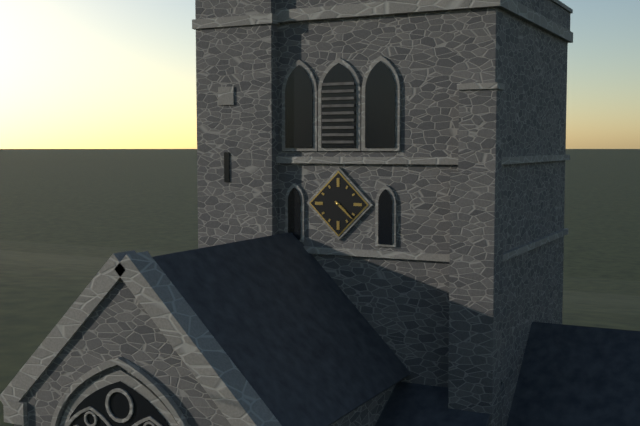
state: 4:22
